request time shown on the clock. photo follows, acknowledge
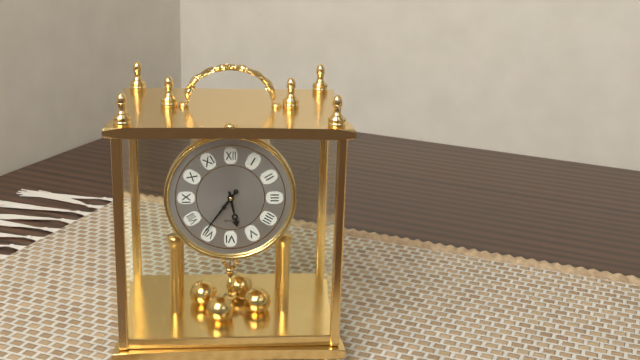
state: 5:36
